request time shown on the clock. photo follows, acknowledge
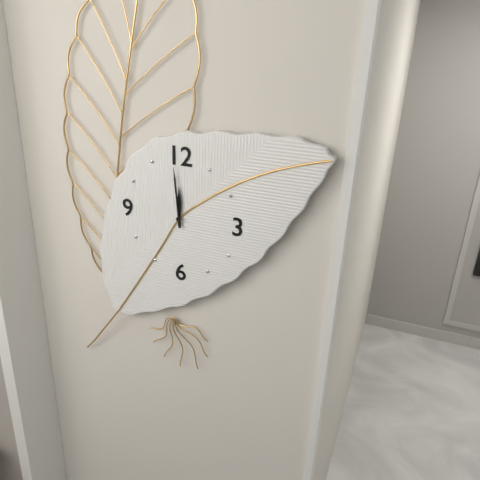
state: 11:59
